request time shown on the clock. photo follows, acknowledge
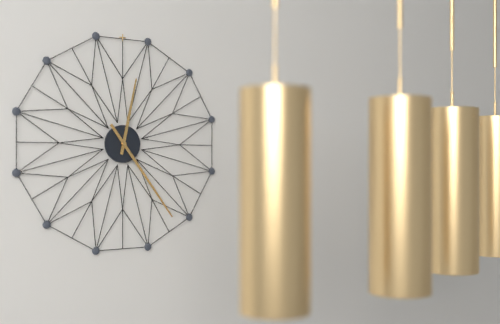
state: 12:24
